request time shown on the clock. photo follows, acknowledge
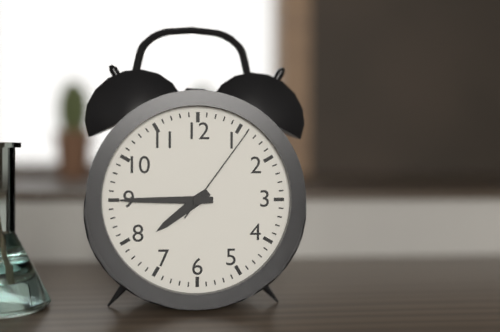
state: 7:45:06
